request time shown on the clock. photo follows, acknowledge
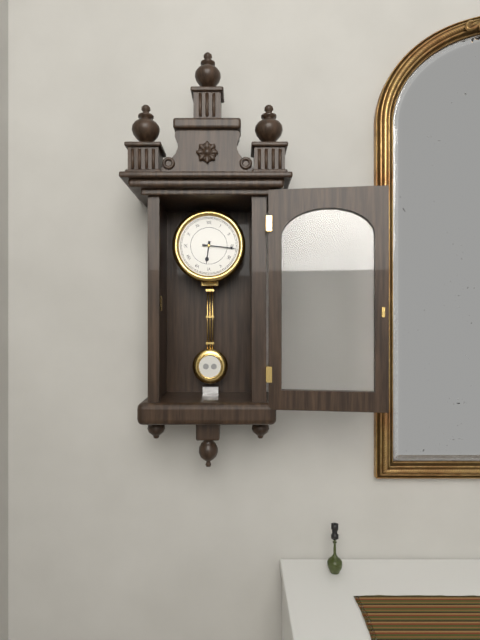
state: 6:16
